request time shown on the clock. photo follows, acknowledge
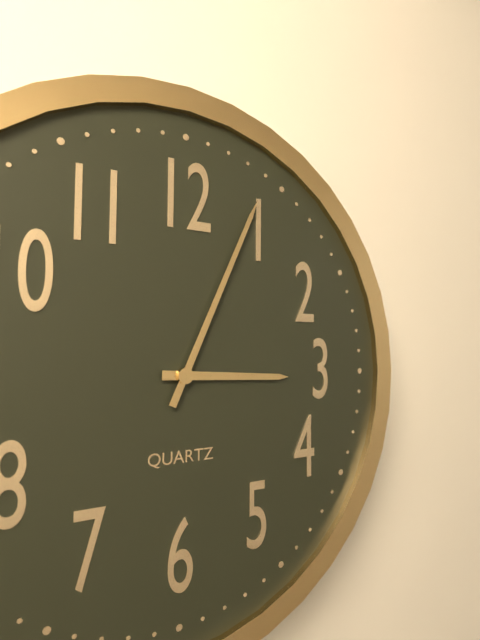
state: 3:04
